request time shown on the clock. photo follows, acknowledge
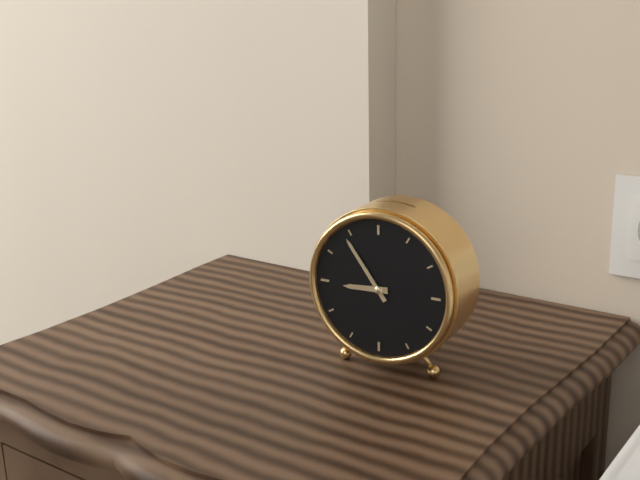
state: 8:54
